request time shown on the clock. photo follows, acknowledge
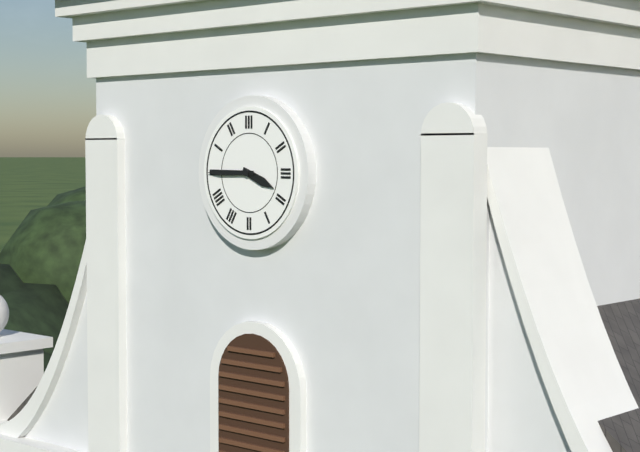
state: 3:45
